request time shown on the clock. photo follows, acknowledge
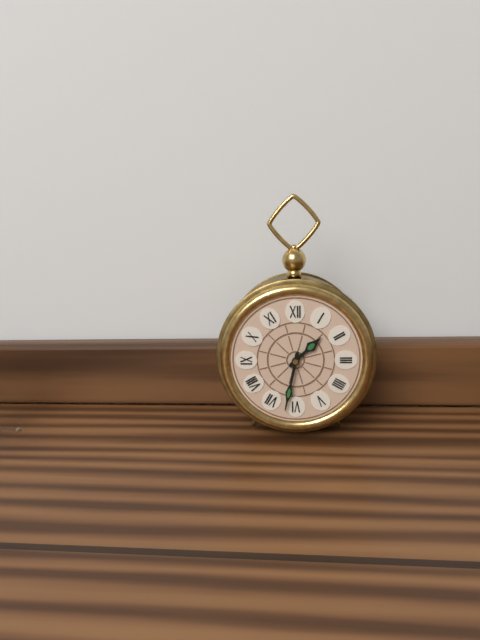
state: 1:32
